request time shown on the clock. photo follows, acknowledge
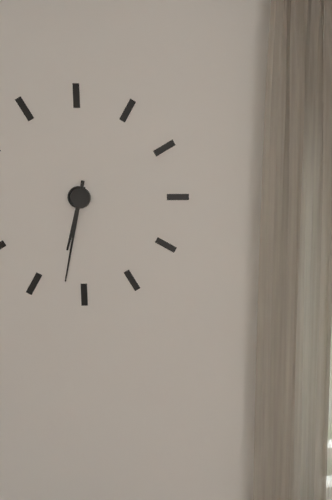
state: 6:32
